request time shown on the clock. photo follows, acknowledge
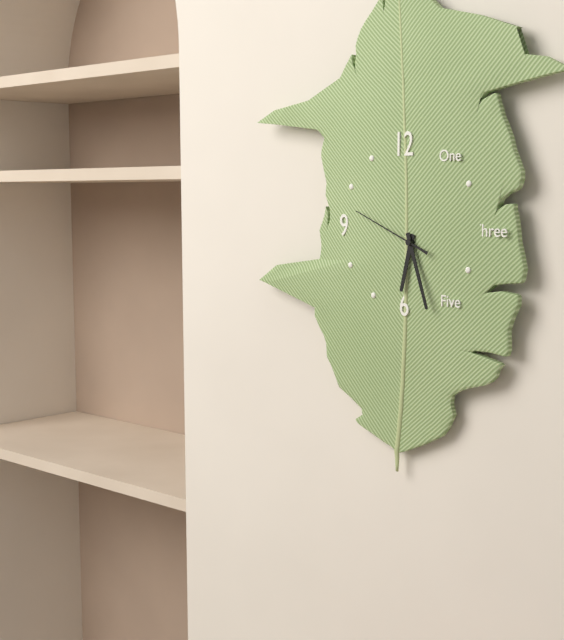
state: 6:27:49
